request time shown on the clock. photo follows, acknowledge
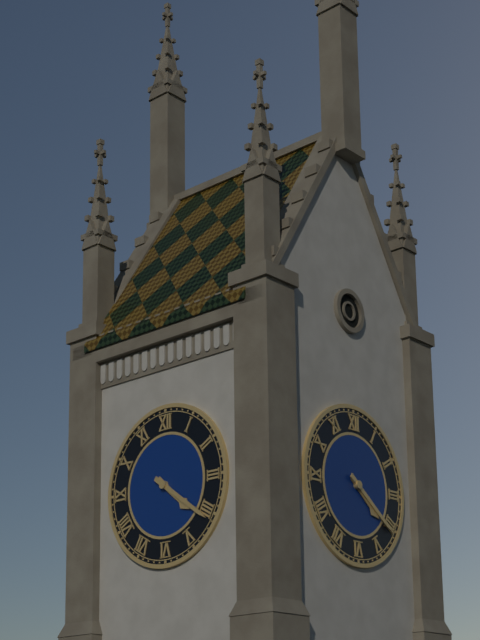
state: 4:21
